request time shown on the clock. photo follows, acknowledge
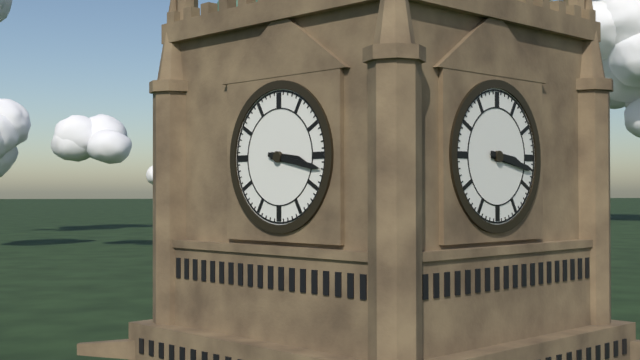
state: 3:17
